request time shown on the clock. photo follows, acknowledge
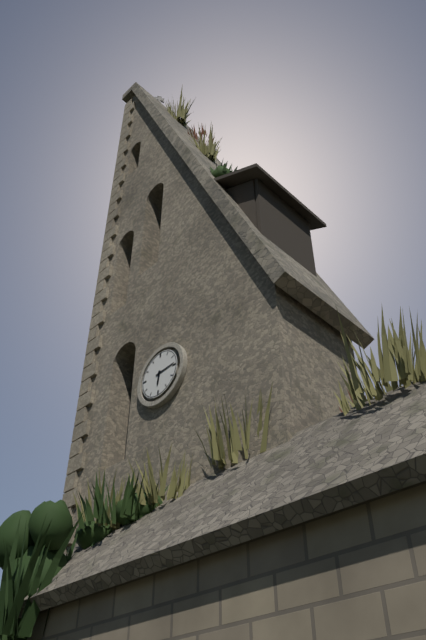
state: 6:14
